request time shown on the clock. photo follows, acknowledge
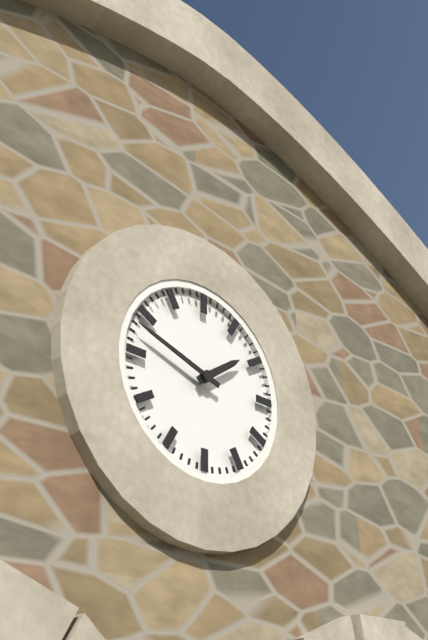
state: 1:48
